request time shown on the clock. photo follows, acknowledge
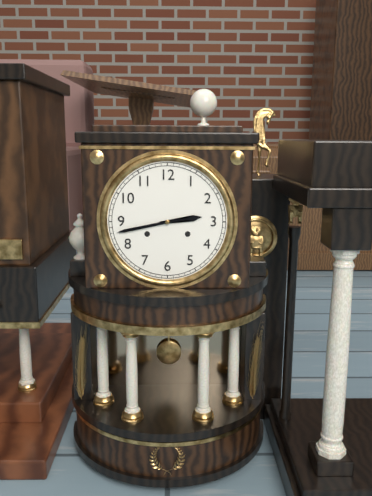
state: 2:43
